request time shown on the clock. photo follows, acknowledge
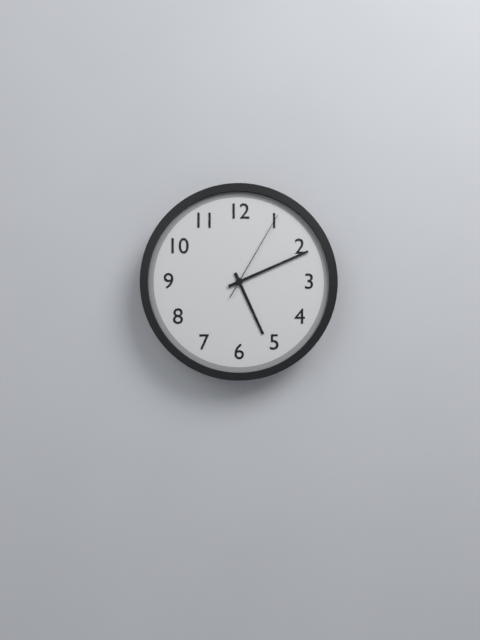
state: 5:11:05
